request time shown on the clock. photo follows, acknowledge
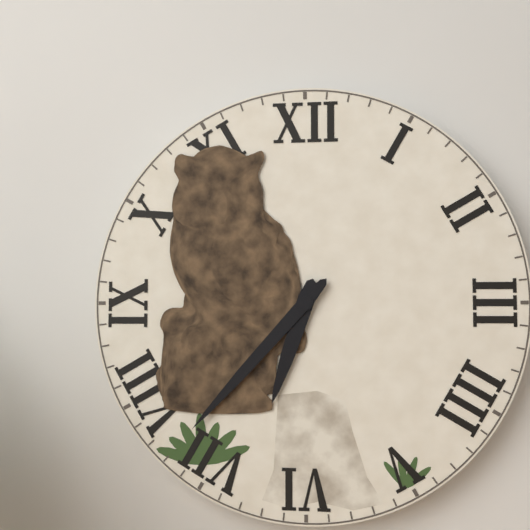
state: 6:37
